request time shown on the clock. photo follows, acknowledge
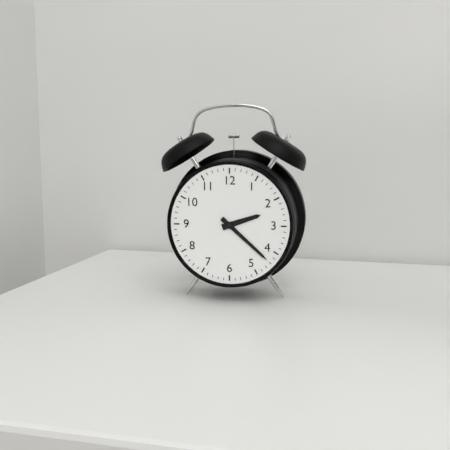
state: 2:22
